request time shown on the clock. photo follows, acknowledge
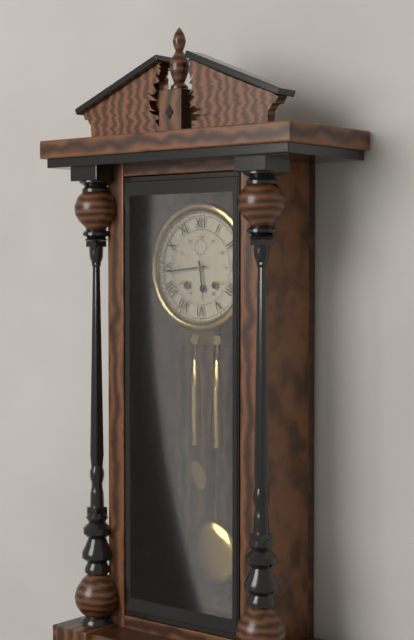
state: 5:44
